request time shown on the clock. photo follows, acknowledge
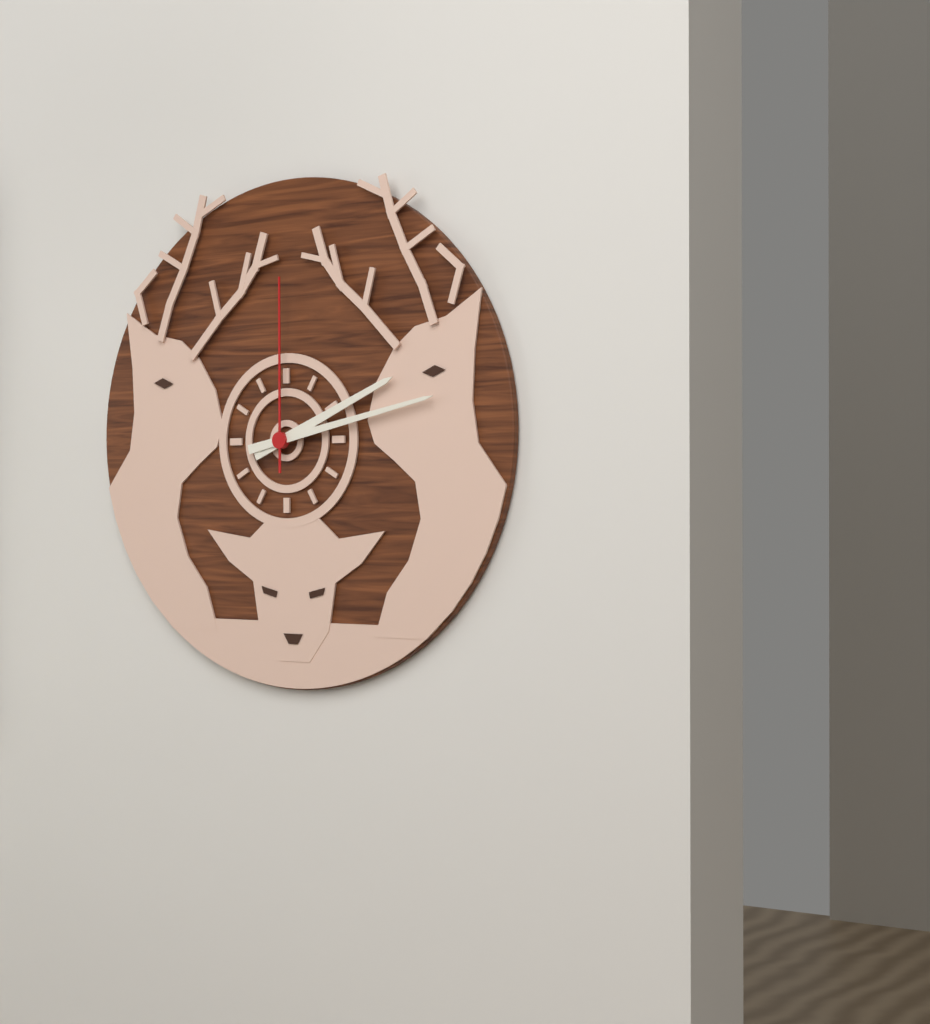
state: 2:13:00
